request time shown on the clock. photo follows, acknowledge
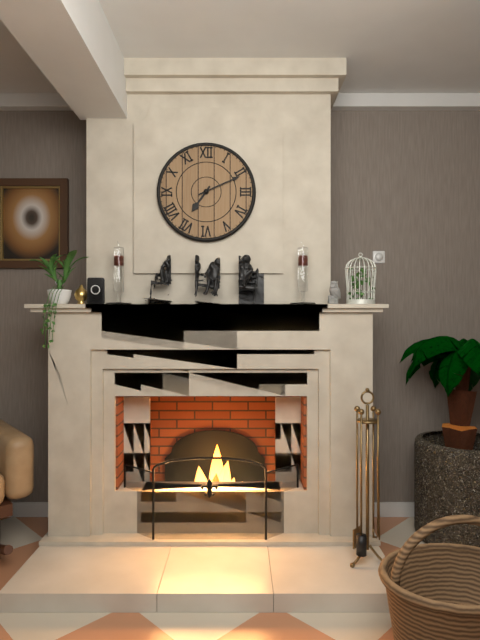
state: 7:11
